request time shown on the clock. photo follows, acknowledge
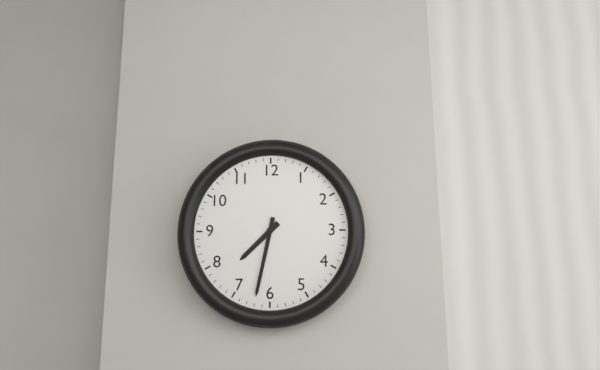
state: 7:32
